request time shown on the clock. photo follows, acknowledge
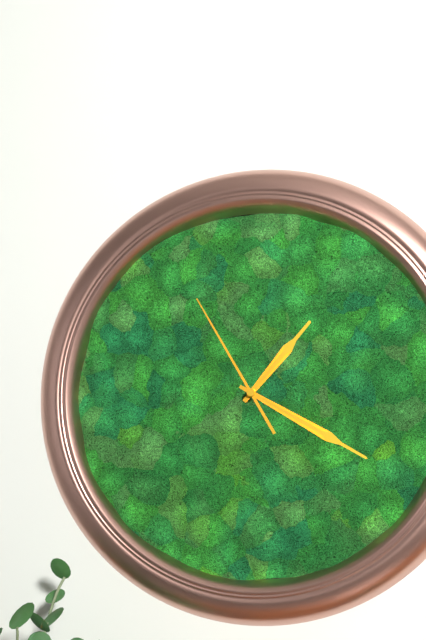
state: 1:20:55
